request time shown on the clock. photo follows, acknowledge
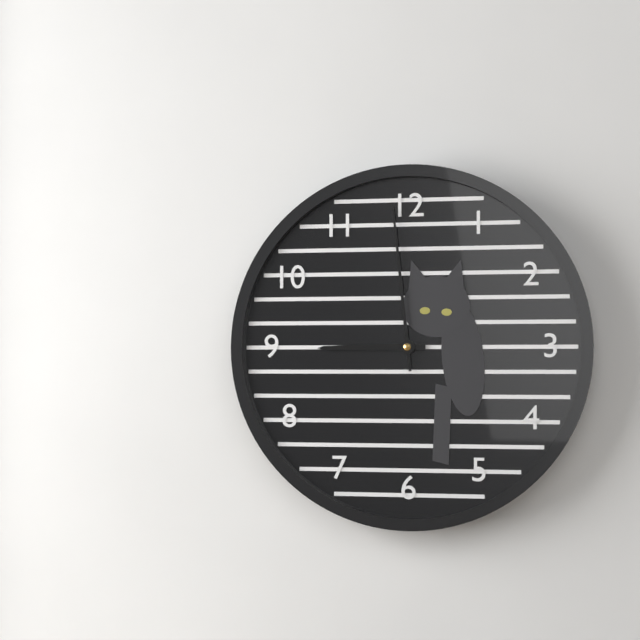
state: 8:59
